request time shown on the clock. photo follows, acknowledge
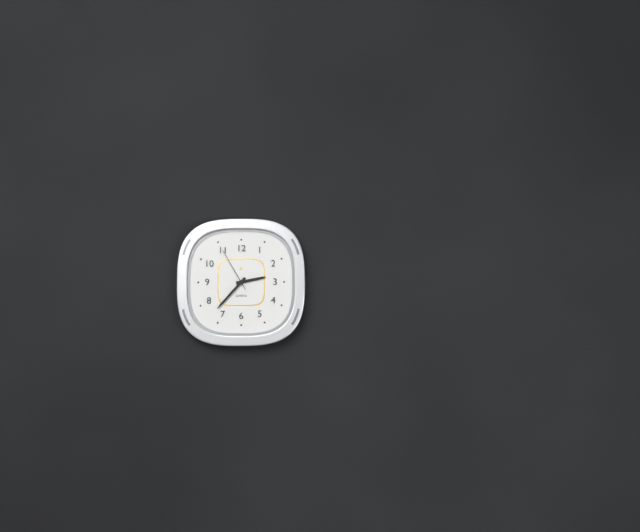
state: 2:37
